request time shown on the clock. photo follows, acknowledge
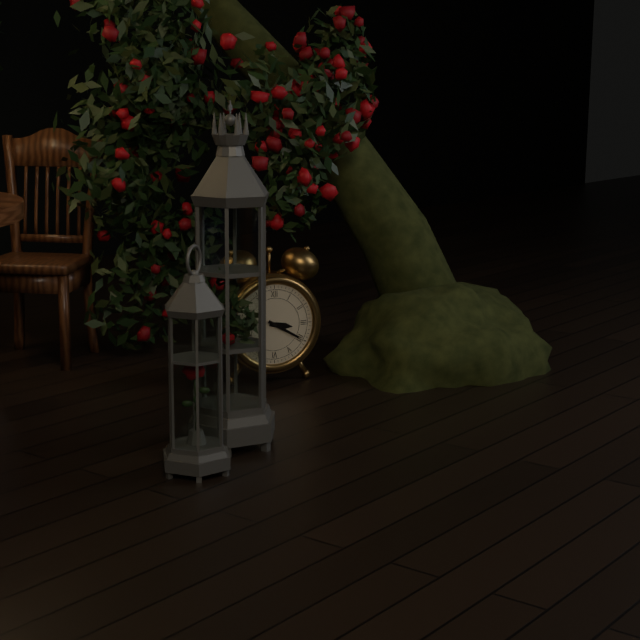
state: 3:20
